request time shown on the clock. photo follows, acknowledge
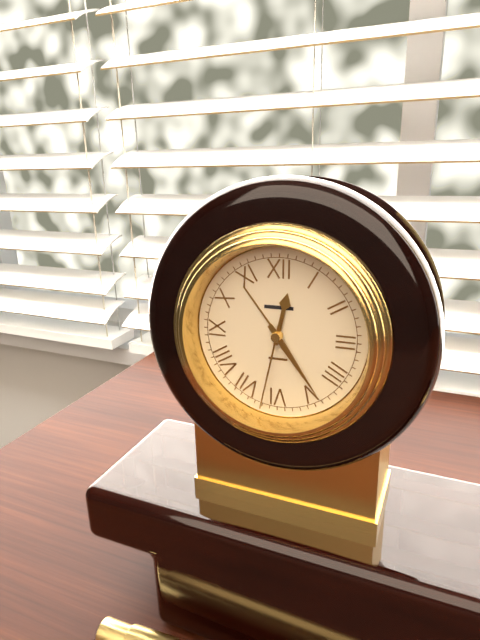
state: 12:24:32
